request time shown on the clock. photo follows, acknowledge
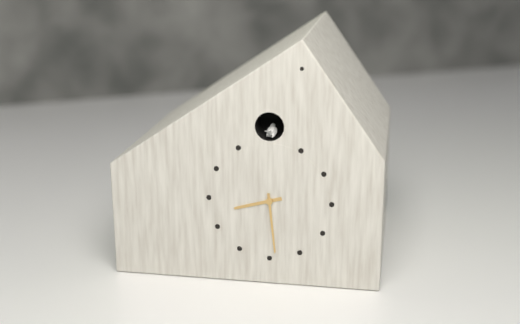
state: 8:29
